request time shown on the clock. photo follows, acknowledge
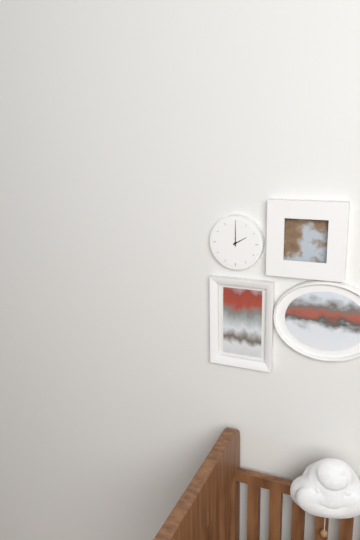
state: 2:00
